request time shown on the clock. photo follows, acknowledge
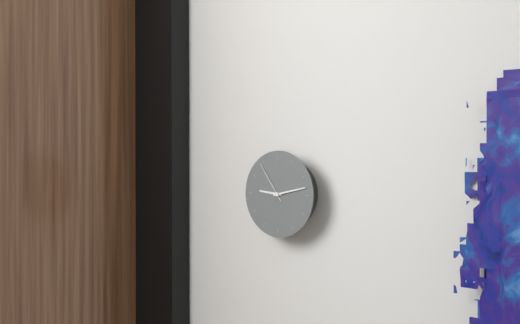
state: 9:13
